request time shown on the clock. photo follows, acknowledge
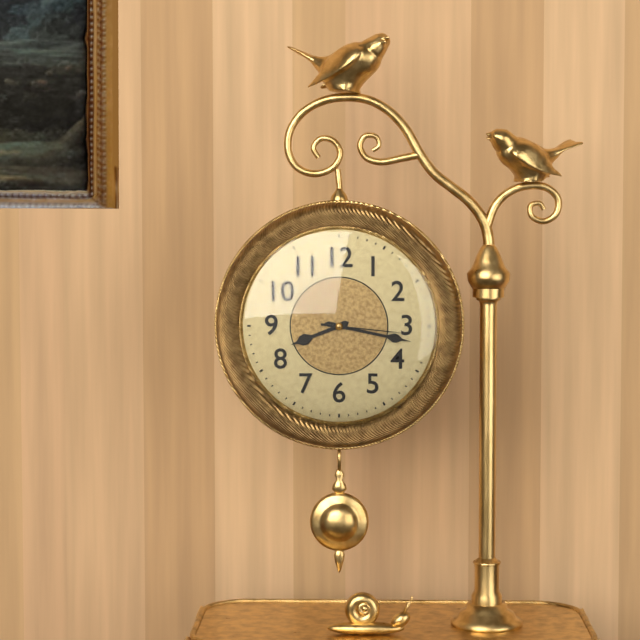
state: 8:17:16
